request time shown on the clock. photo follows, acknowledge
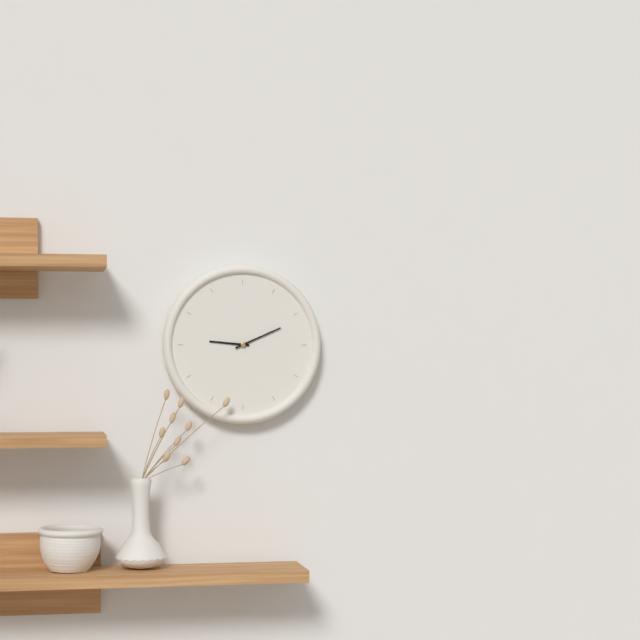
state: 9:11
